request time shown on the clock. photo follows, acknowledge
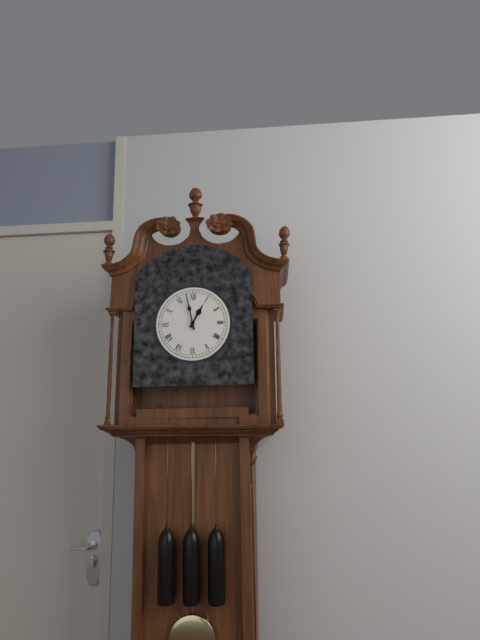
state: 12:58
